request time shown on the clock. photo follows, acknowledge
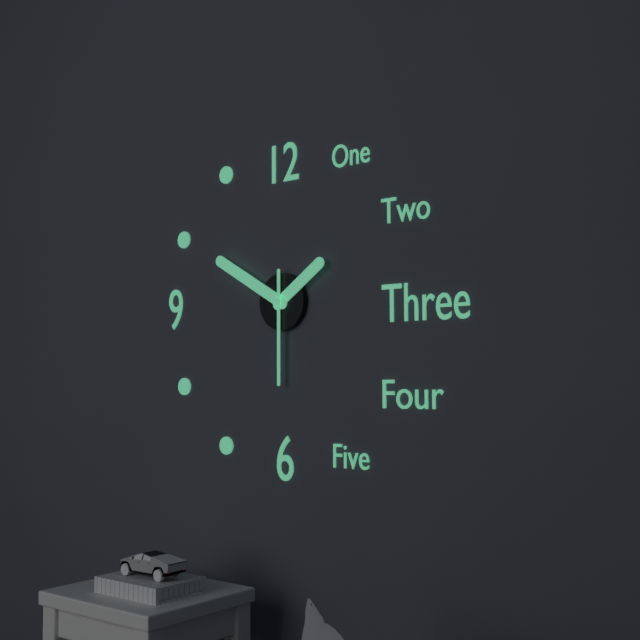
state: 1:50:30
